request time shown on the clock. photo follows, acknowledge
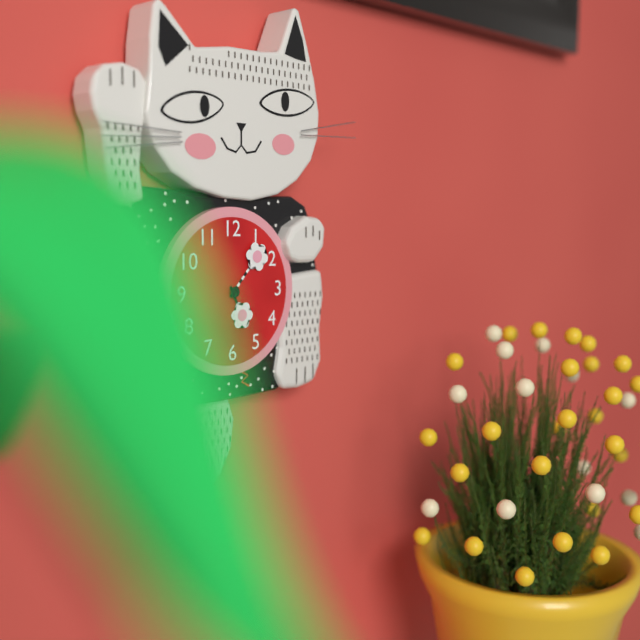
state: 5:07
